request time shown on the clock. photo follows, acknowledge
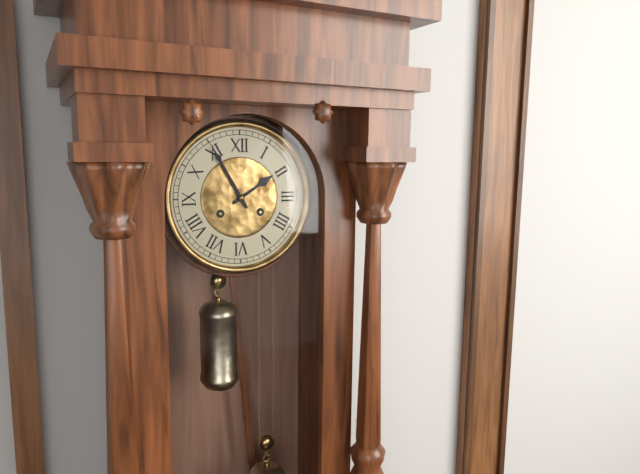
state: 1:55
